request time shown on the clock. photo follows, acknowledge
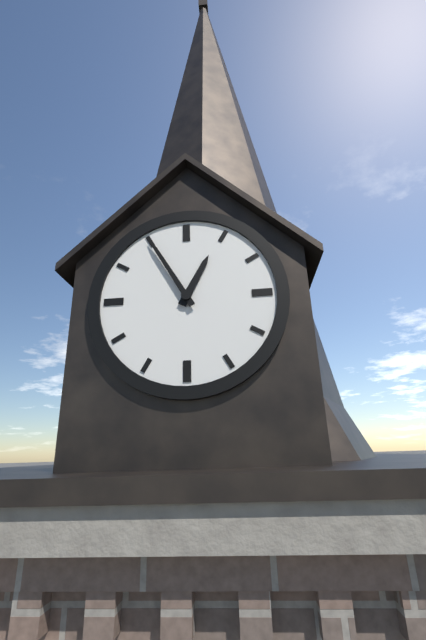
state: 12:55
